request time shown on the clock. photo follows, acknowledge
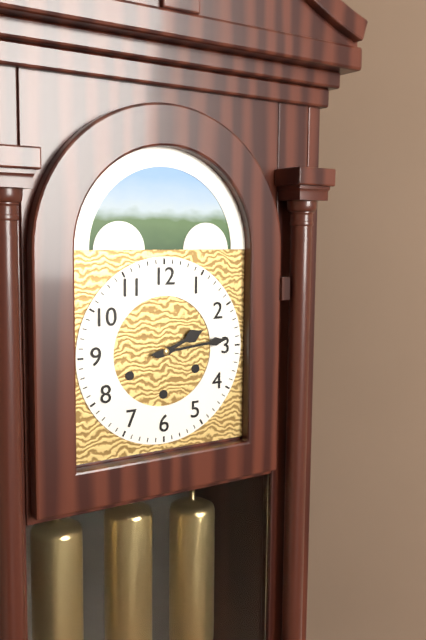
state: 2:14
